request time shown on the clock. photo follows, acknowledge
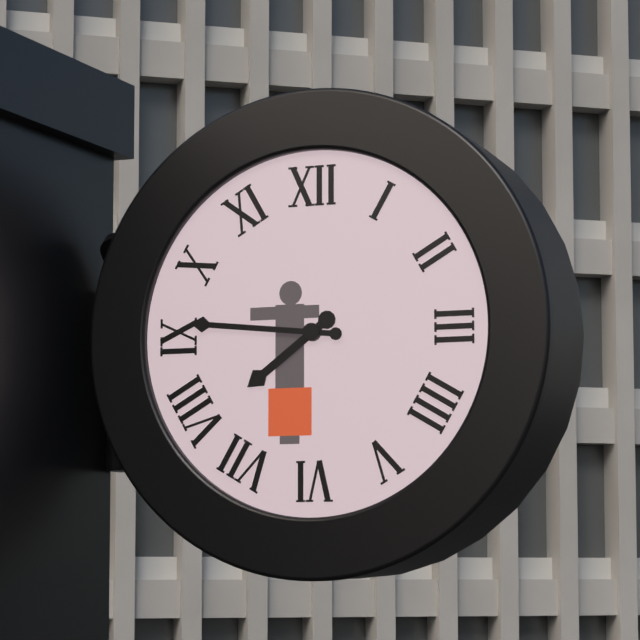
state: 7:46
